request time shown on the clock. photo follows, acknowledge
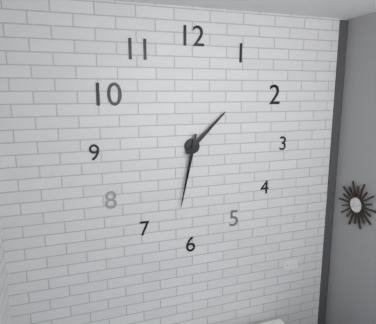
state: 1:32
